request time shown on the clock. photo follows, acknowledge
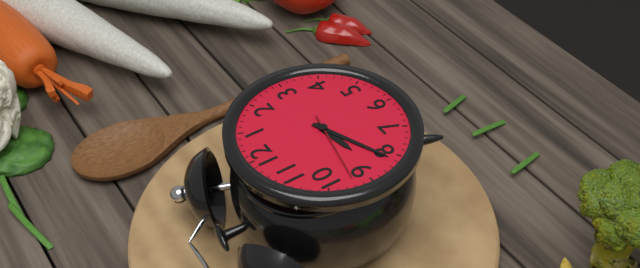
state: 8:41:47
